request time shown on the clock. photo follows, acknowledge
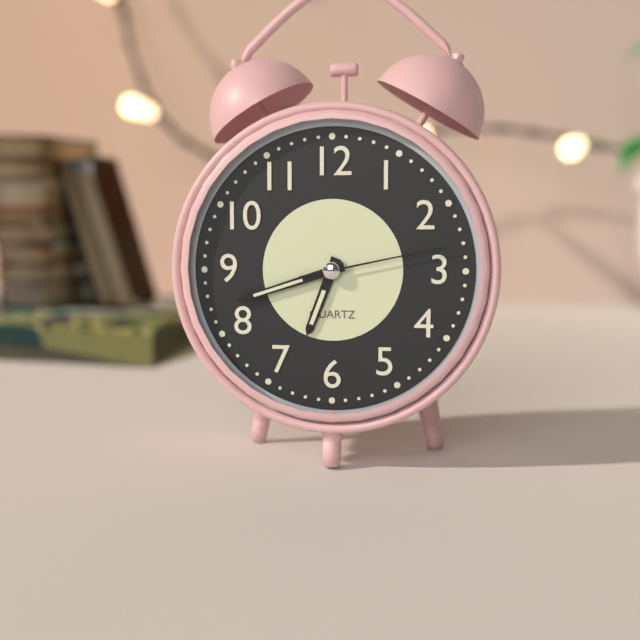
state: 6:42:13
